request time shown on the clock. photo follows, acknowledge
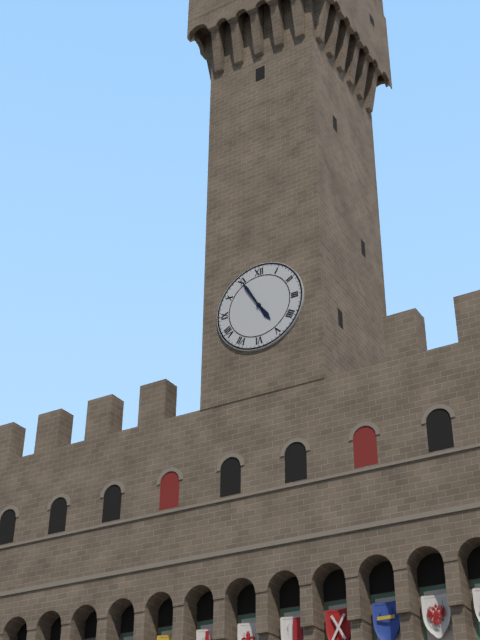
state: 4:55
